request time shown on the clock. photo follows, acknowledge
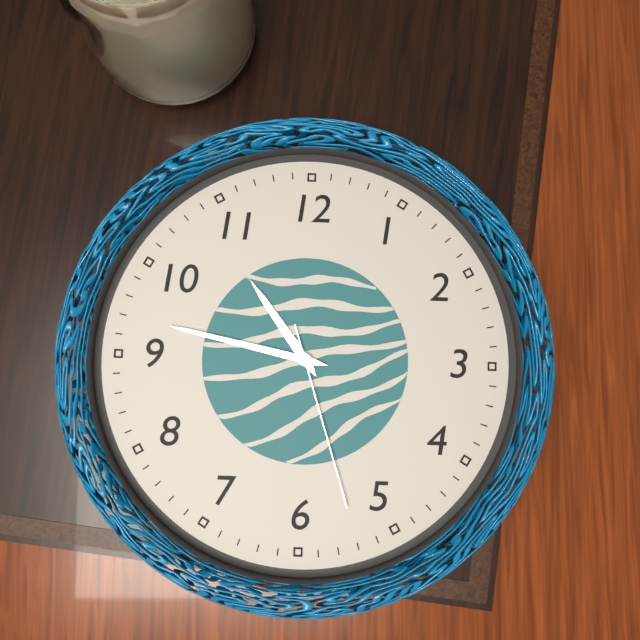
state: 10:47:27
